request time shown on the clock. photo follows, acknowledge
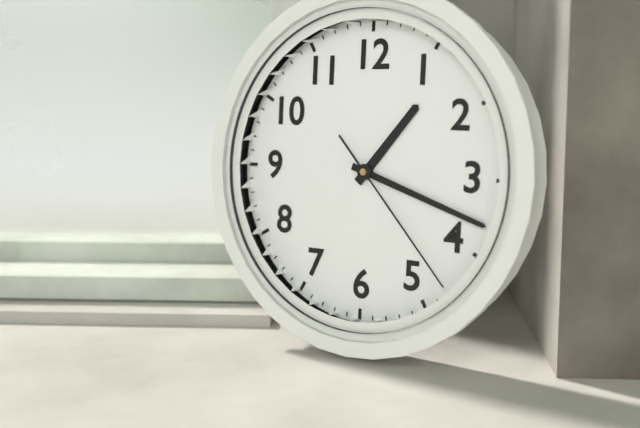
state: 1:18:23
